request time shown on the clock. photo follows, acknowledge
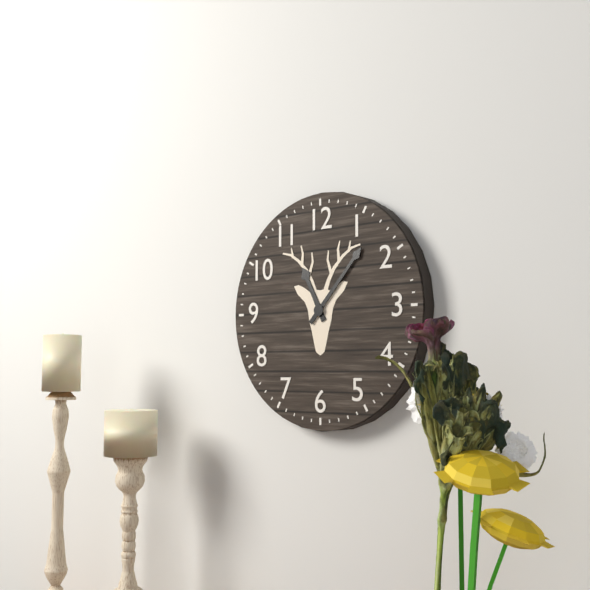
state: 11:07
